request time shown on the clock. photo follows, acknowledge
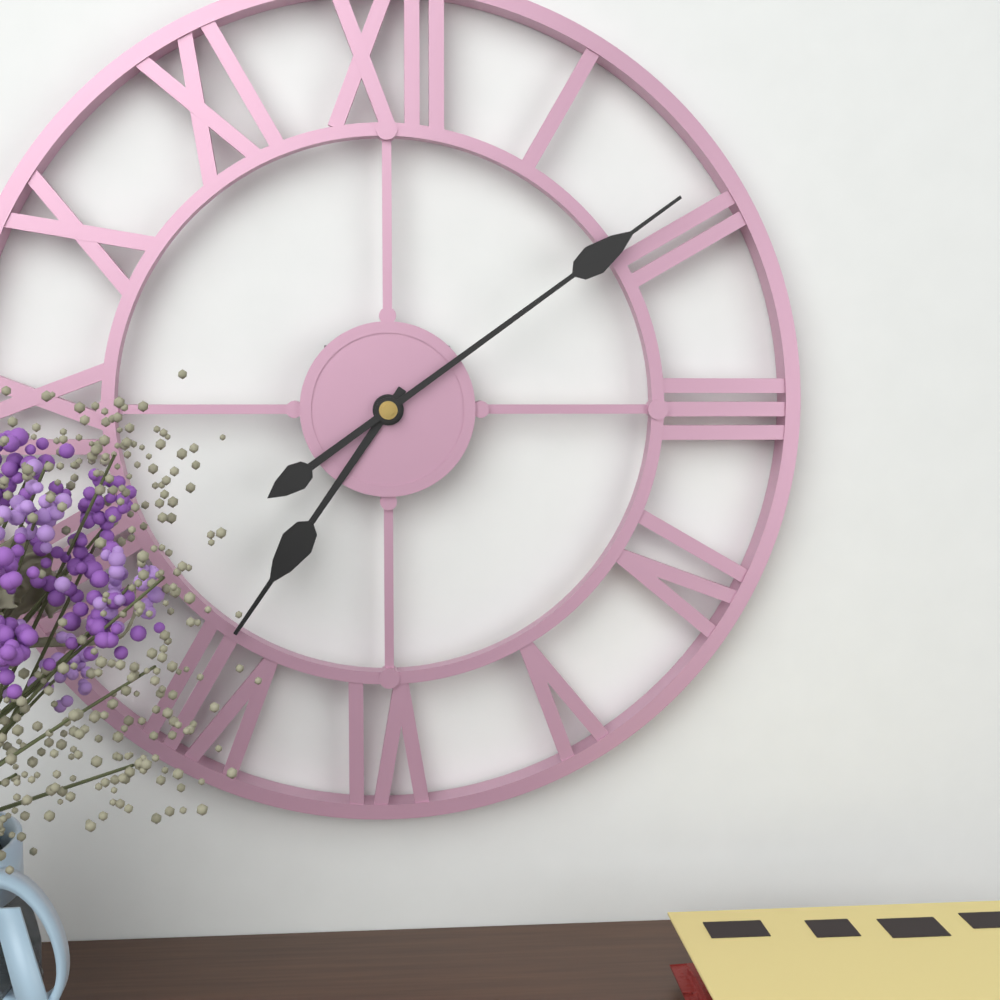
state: 7:09
